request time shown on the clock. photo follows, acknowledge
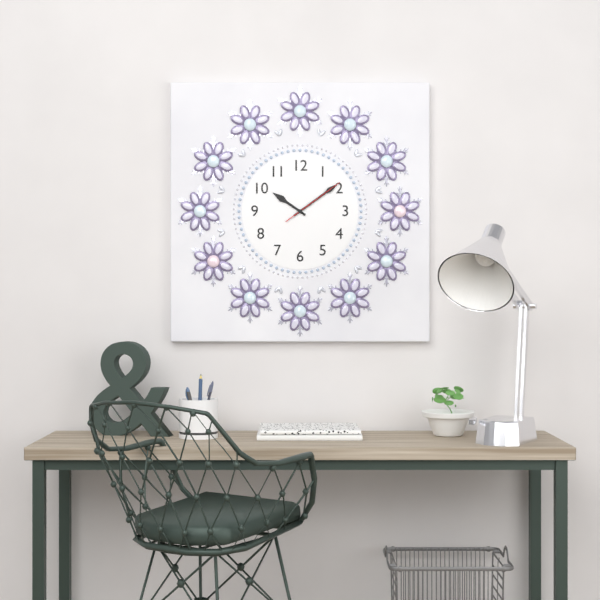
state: 10:09:09
